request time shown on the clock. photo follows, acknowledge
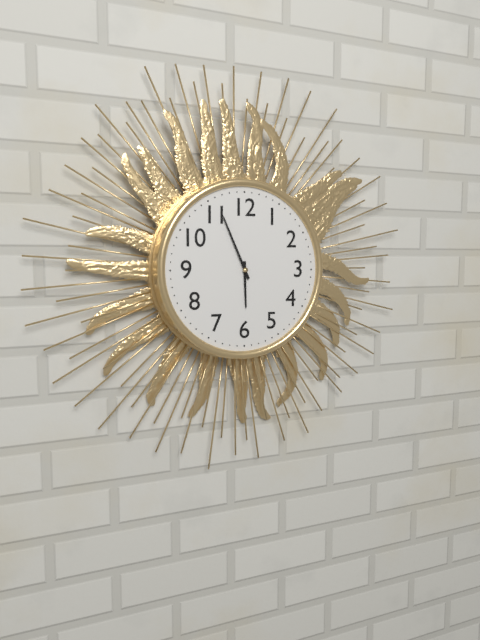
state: 5:56
